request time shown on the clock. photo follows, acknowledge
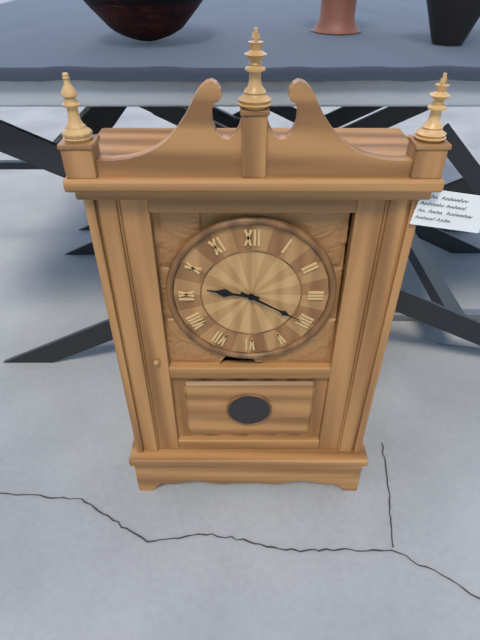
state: 9:20
